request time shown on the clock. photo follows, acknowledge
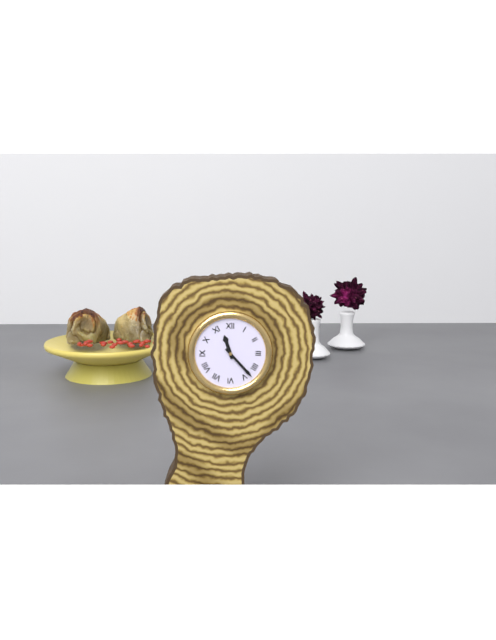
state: 11:23
